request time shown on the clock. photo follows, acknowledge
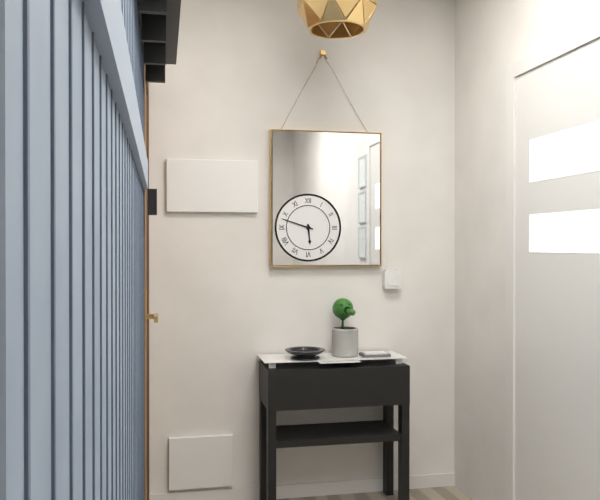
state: 5:48
